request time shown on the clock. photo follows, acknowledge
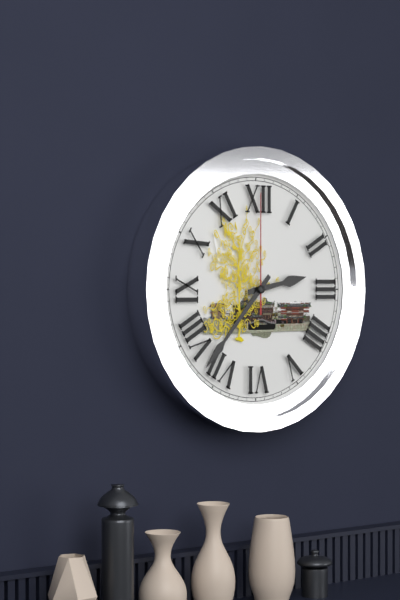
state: 2:37:00
